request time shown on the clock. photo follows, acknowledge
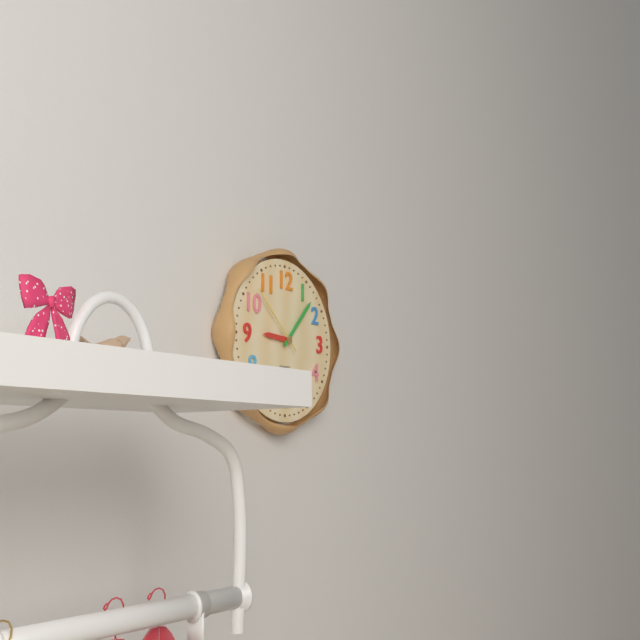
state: 9:07:52
